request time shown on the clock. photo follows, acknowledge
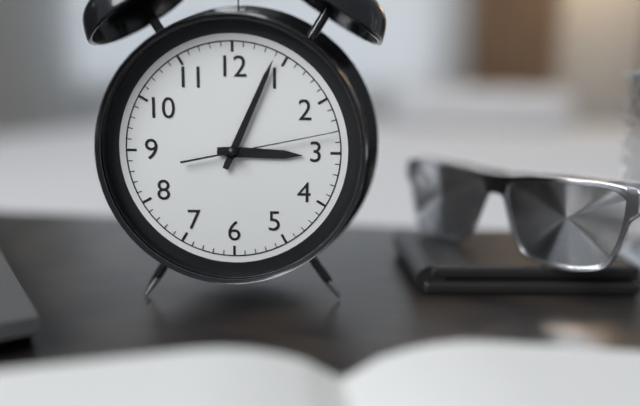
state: 3:04:13
